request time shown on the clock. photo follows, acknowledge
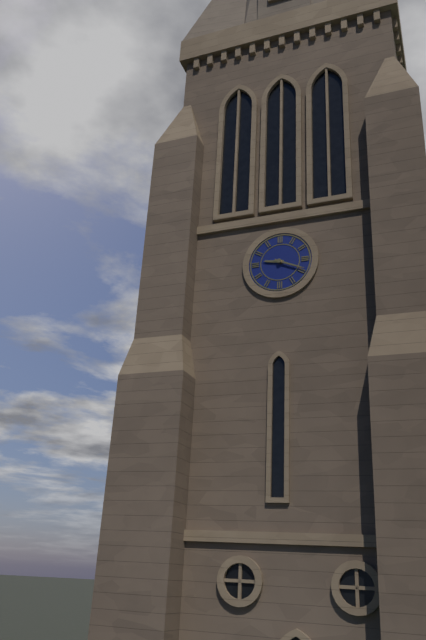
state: 9:19
